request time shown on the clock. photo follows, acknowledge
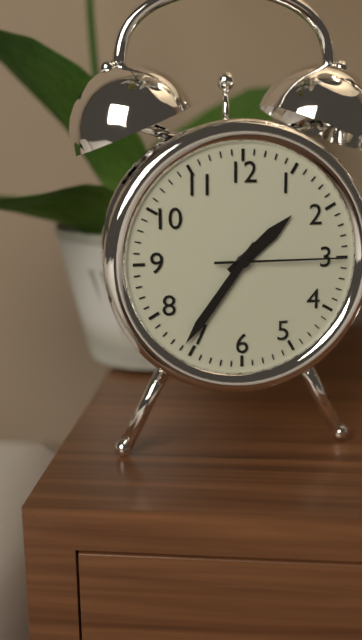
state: 1:36:15
